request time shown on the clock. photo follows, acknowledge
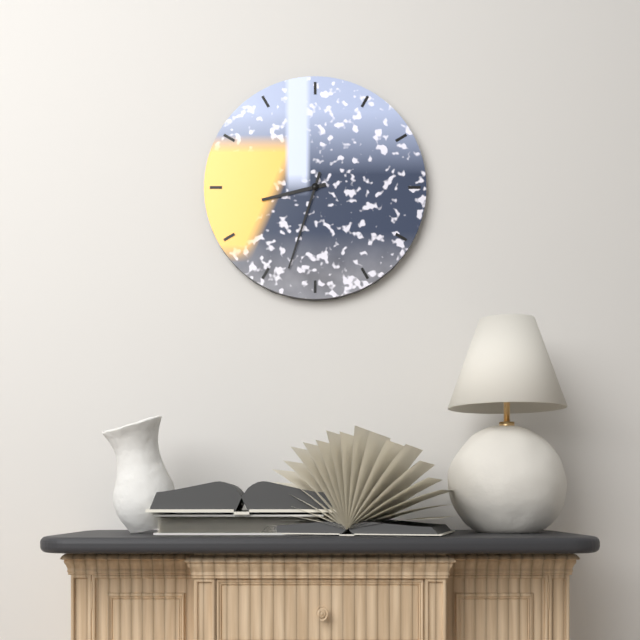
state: 8:33
